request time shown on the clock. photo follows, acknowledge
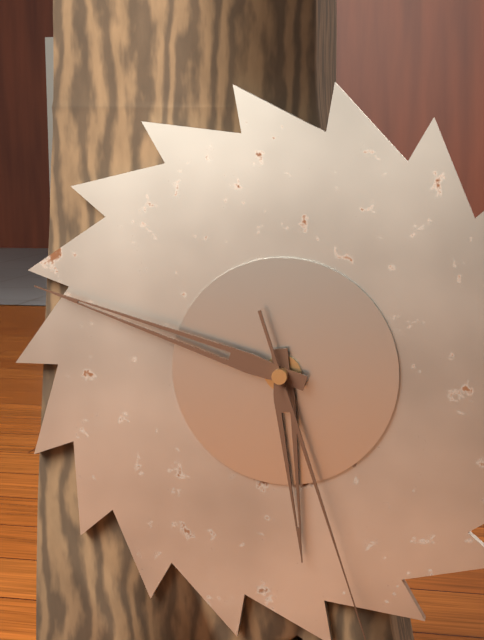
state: 5:48:27
